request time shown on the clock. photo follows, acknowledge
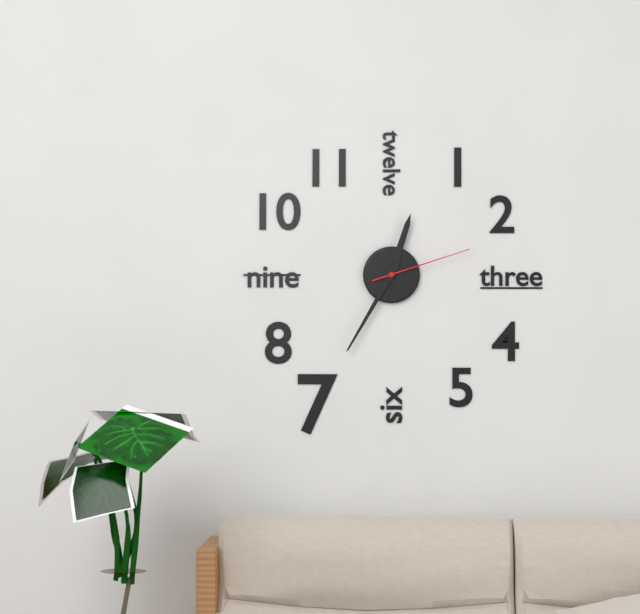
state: 12:35:12
